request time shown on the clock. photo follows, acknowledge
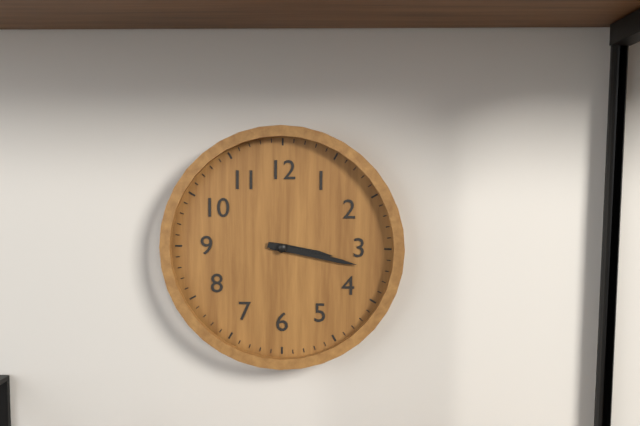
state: 3:17
